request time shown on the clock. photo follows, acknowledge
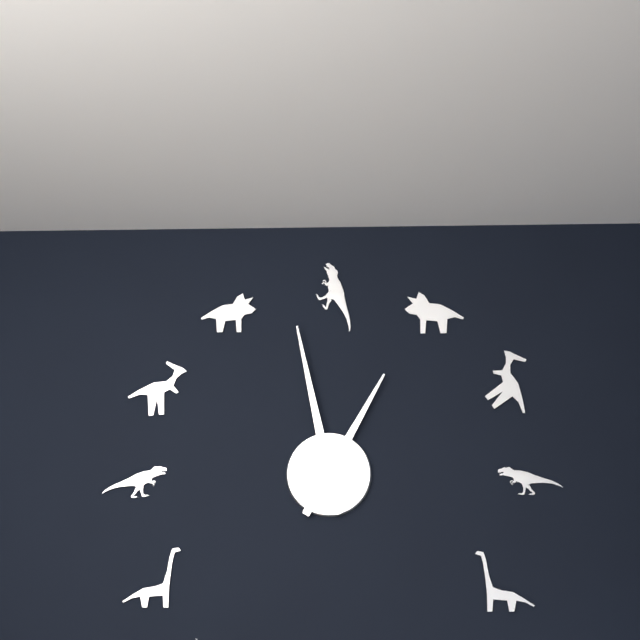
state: 12:58
